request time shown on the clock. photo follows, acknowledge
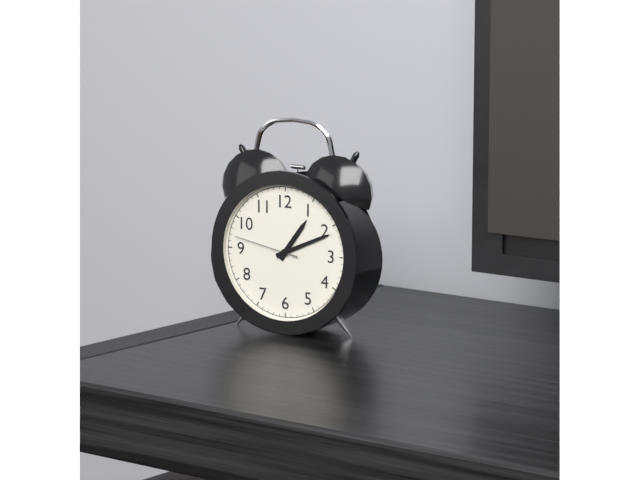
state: 1:11:47
